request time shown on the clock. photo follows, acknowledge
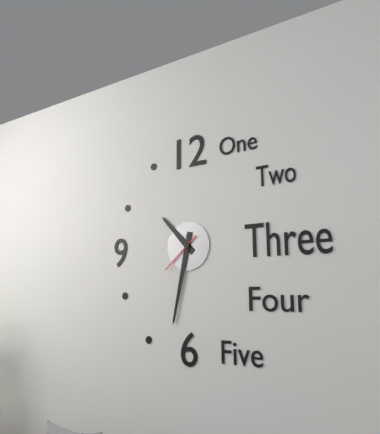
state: 10:32
